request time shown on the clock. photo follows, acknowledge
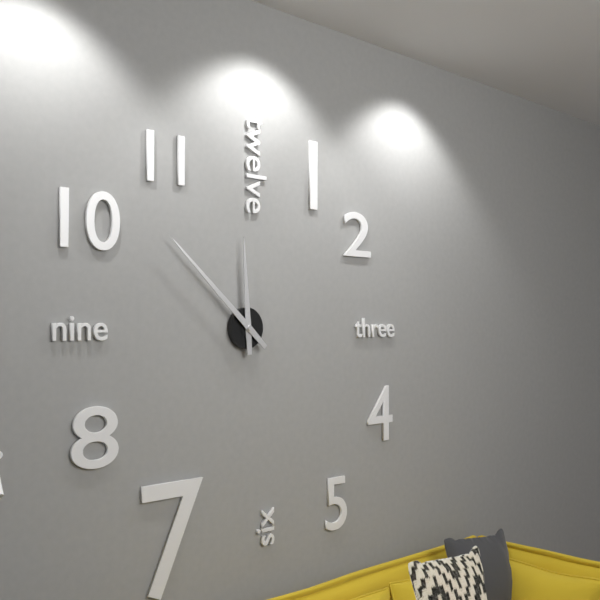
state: 11:52
